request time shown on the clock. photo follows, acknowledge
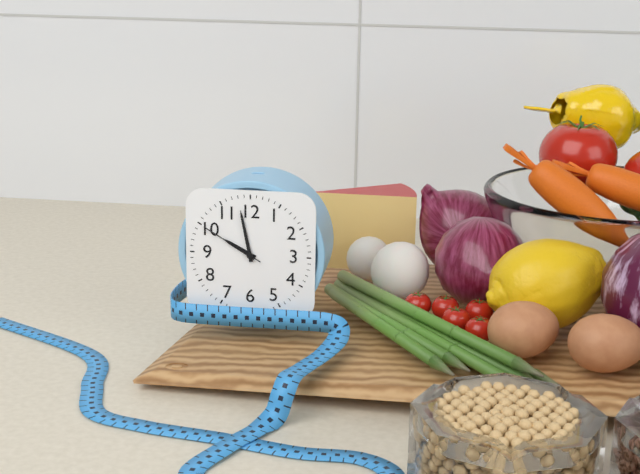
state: 9:58:50
